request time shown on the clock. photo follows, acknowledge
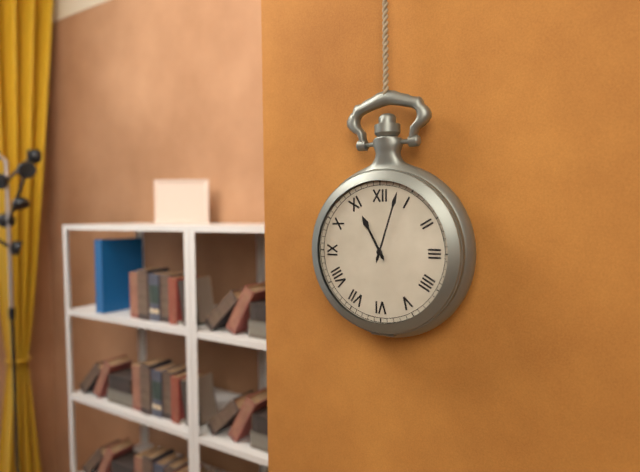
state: 11:03
